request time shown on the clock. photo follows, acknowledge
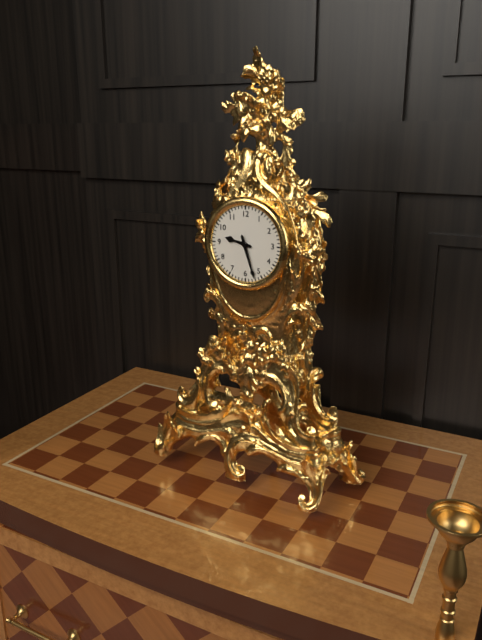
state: 9:27
